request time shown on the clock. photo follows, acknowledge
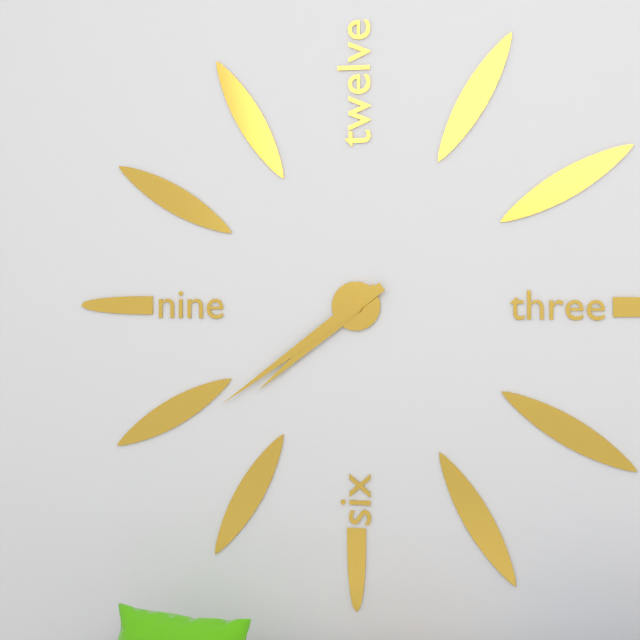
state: 7:39
